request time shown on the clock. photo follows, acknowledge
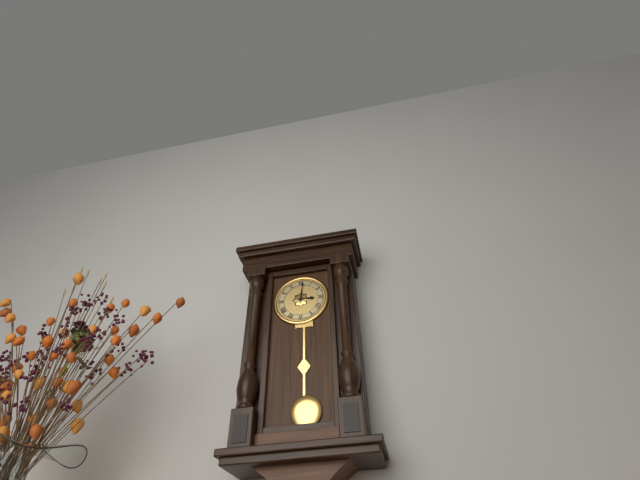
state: 3:01
